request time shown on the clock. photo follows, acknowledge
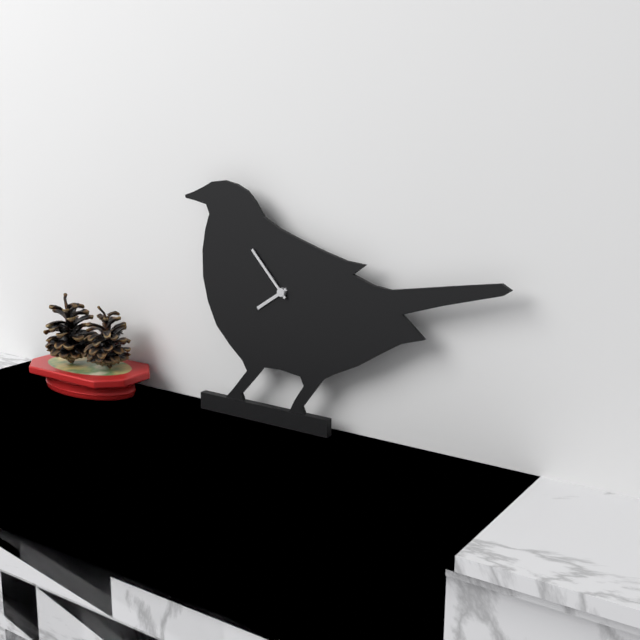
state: 7:53
